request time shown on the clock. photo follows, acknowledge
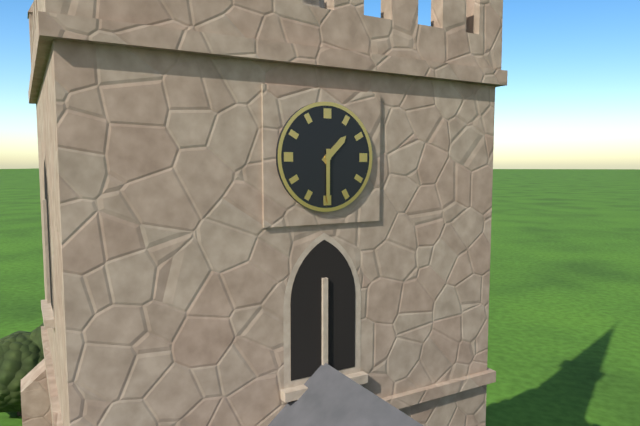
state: 1:30
